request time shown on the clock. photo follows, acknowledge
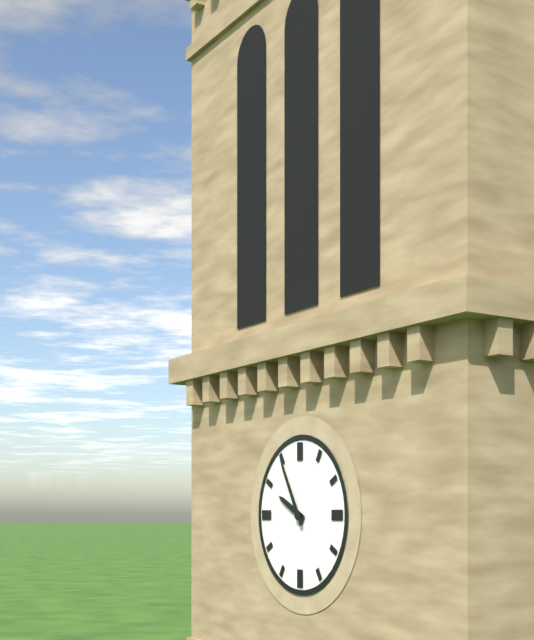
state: 9:55
